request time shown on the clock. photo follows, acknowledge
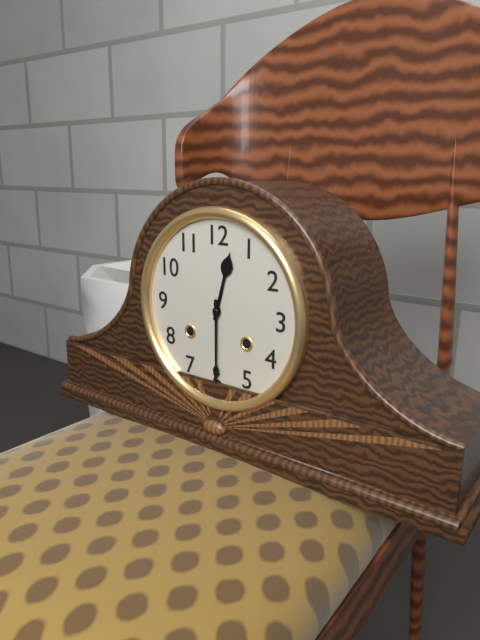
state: 12:30
